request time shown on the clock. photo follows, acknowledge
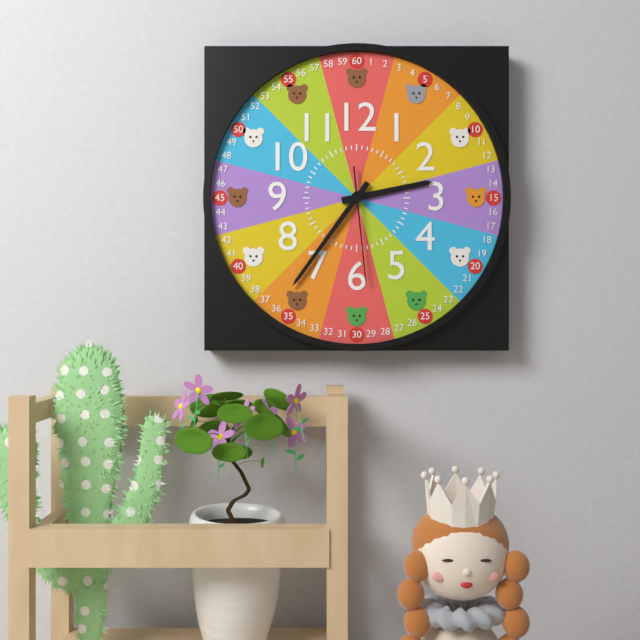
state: 2:36:29
